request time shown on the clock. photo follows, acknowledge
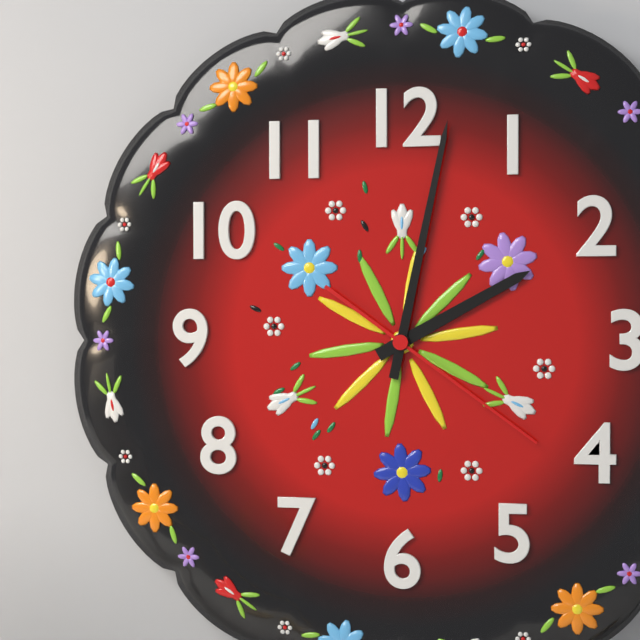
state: 2:02:21
